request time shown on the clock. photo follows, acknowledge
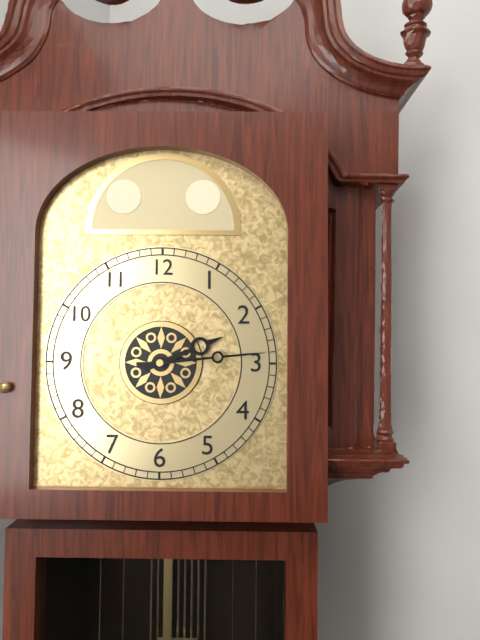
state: 2:14
